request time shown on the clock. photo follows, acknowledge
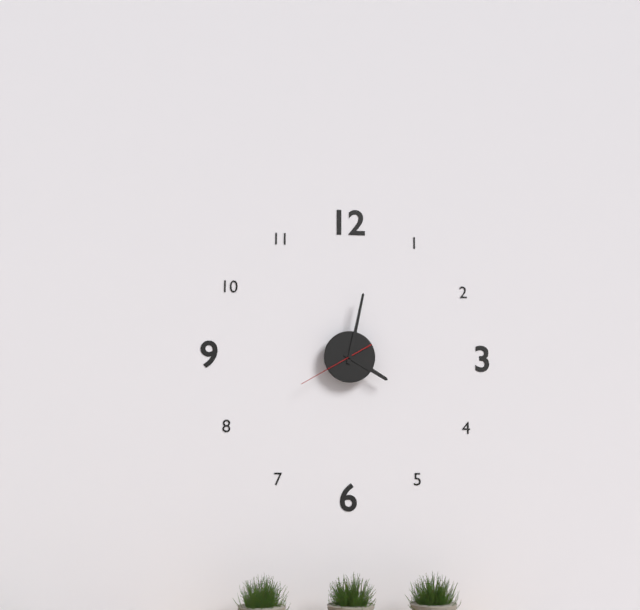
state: 4:02:40
